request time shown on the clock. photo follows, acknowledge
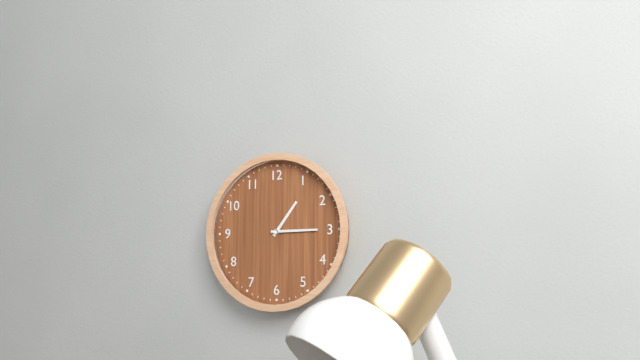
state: 1:15
